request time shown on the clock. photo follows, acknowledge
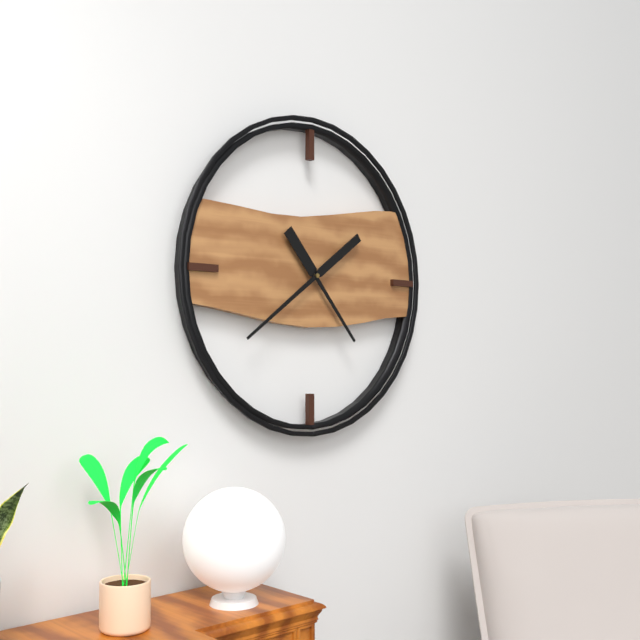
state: 4:39
